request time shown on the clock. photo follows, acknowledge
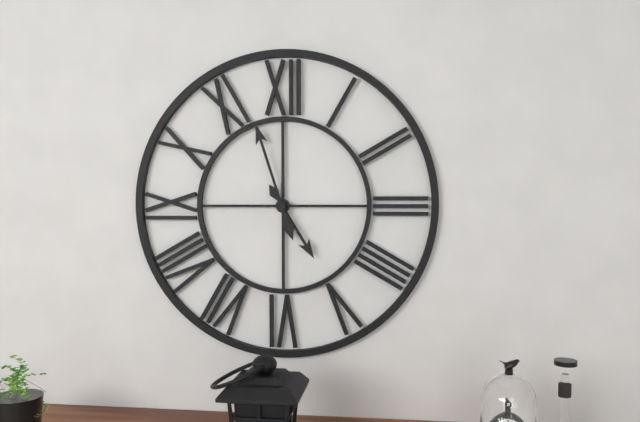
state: 4:57
